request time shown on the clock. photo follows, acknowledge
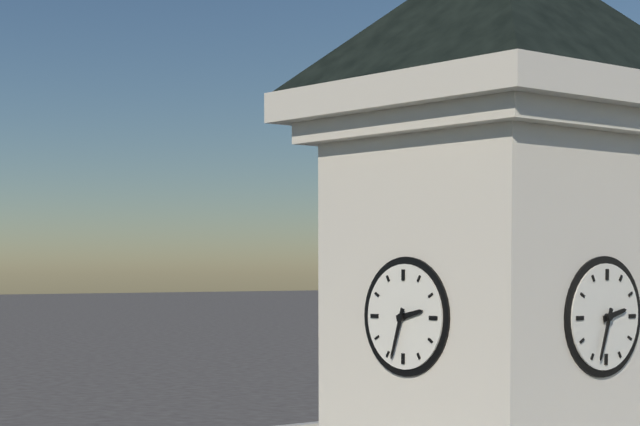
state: 2:33
